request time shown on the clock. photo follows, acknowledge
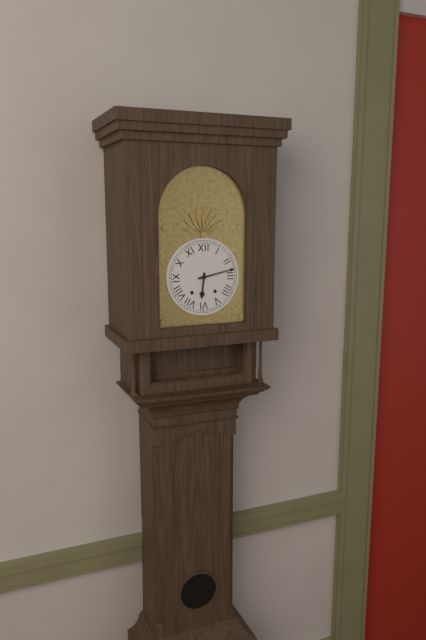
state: 6:13
